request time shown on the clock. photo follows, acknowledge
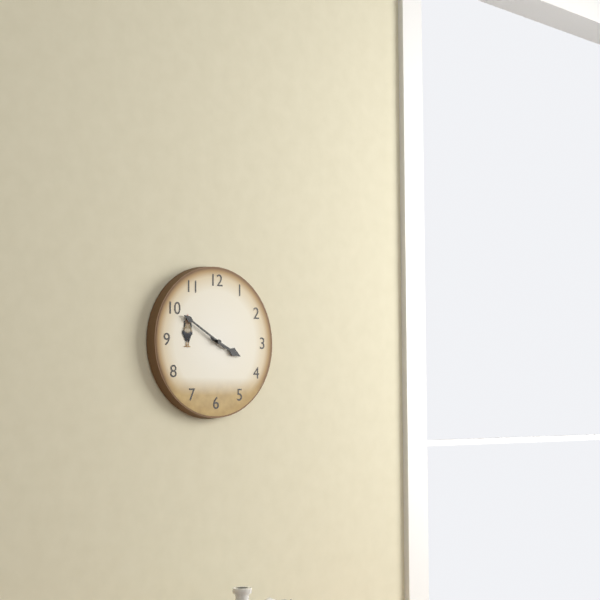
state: 3:50
